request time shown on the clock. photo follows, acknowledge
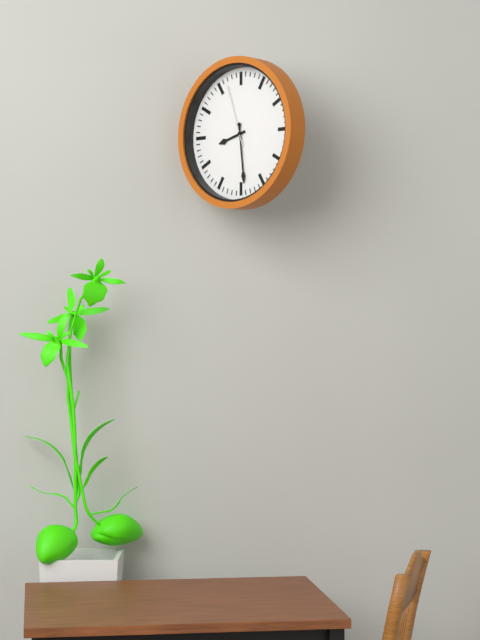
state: 8:29:57
